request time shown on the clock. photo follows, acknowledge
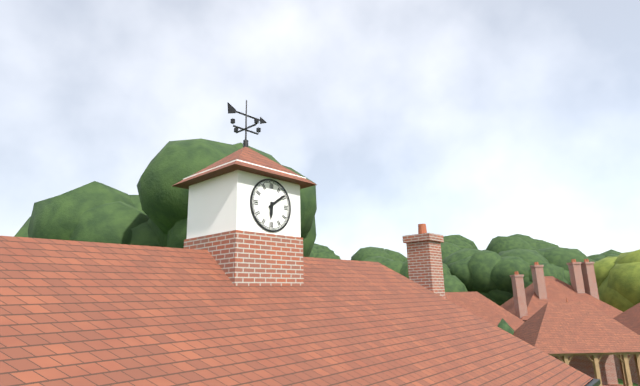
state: 6:09
